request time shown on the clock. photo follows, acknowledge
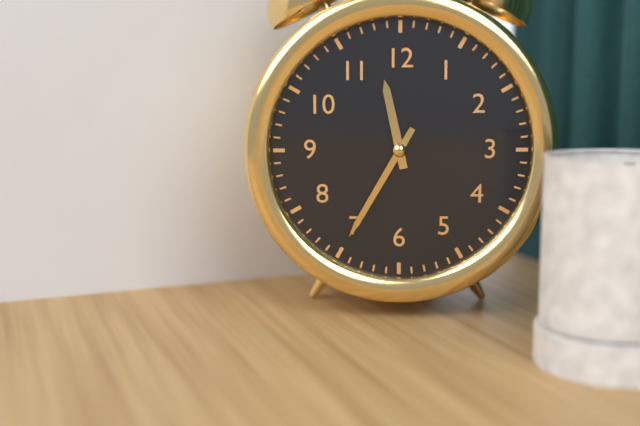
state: 11:35
